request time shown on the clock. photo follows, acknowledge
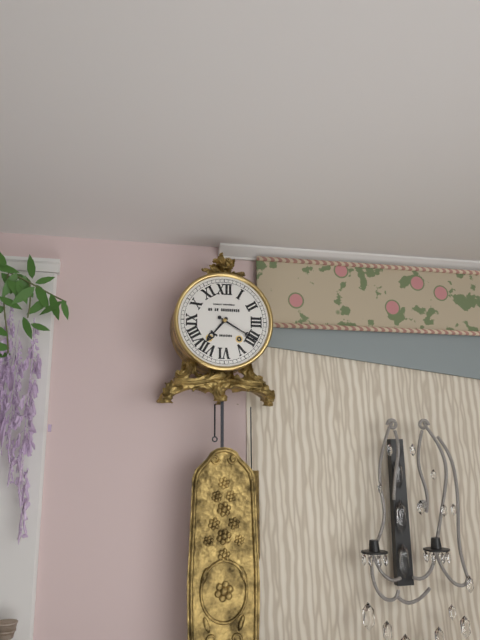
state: 7:20
